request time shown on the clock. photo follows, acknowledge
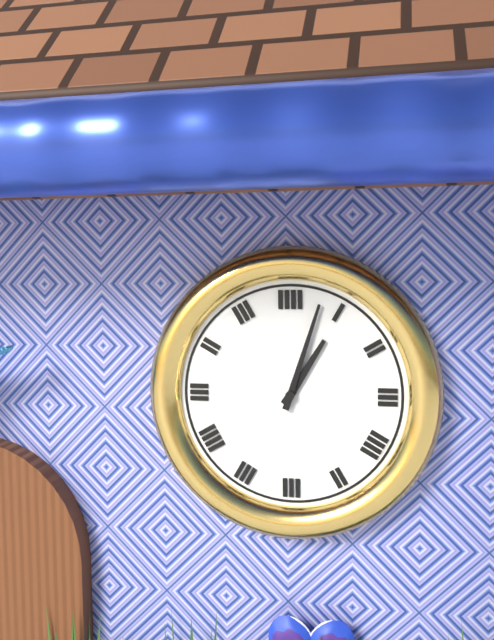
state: 1:03
